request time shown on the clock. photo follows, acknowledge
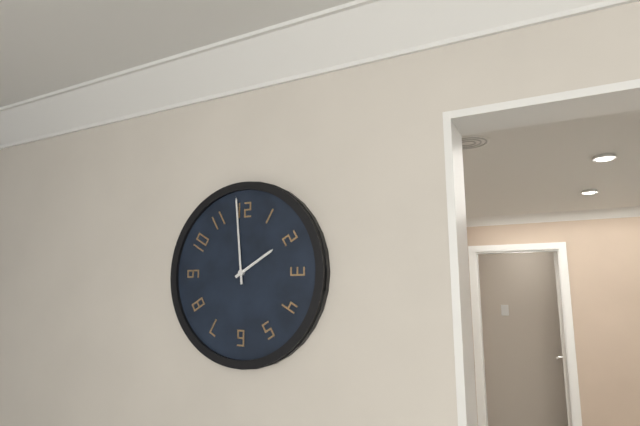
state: 1:59
